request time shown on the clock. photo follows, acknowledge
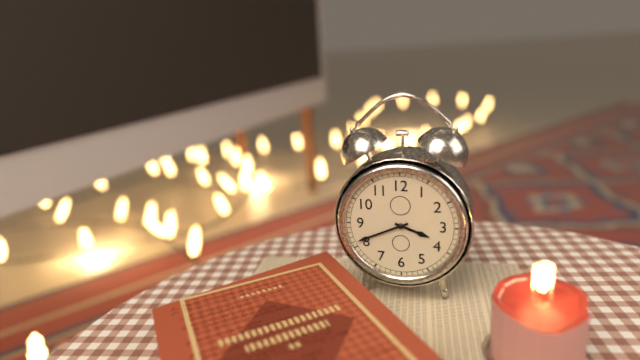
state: 3:41
